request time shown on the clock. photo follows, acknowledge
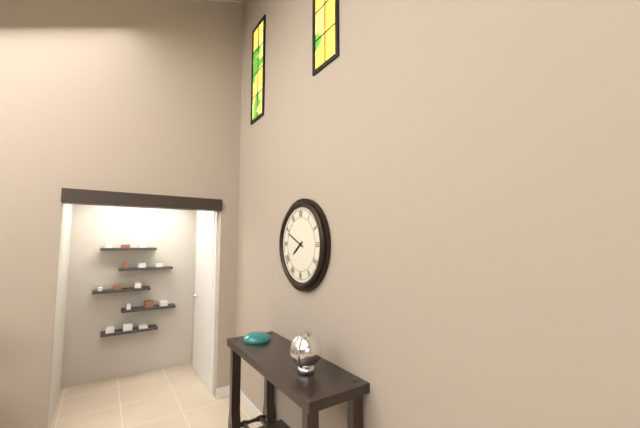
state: 7:49
